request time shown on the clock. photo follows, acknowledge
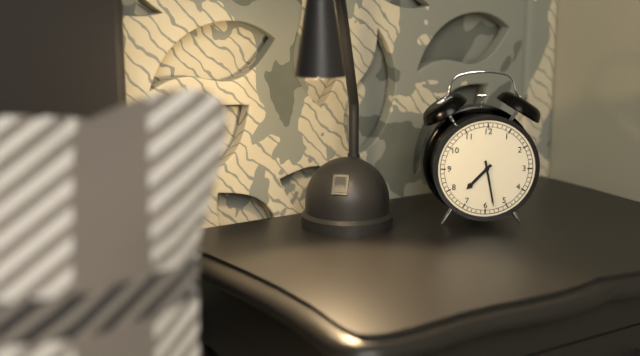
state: 7:28
